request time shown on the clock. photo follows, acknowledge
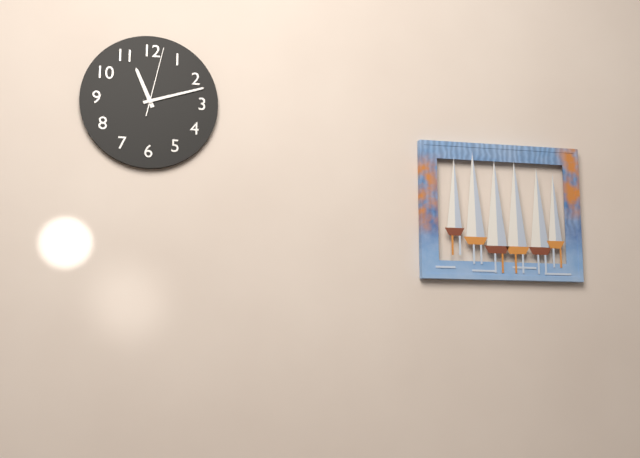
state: 11:12:02
